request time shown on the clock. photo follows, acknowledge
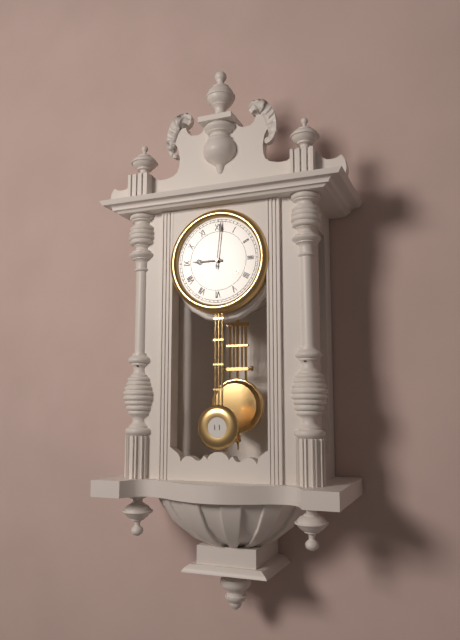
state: 9:01
